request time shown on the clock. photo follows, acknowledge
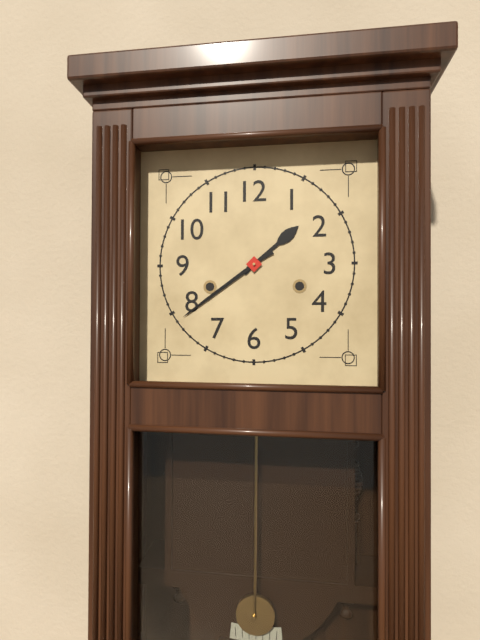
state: 1:39
